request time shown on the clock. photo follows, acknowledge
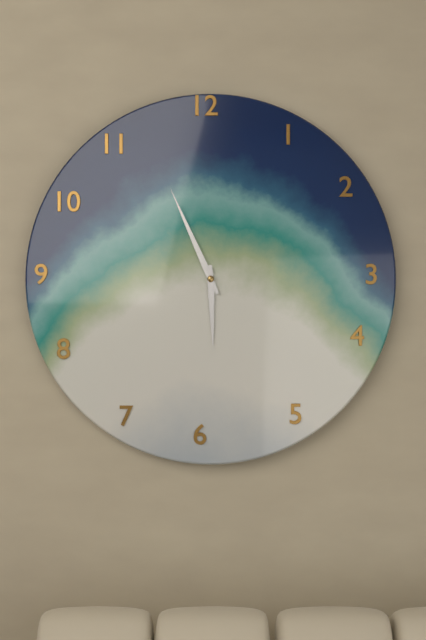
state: 5:56
